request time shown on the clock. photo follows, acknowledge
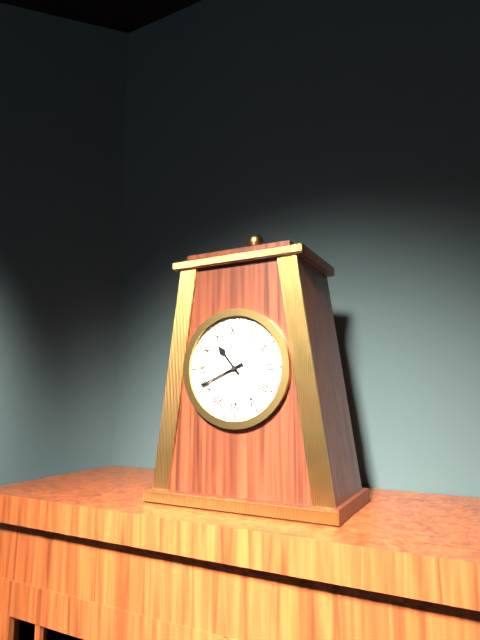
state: 10:41
